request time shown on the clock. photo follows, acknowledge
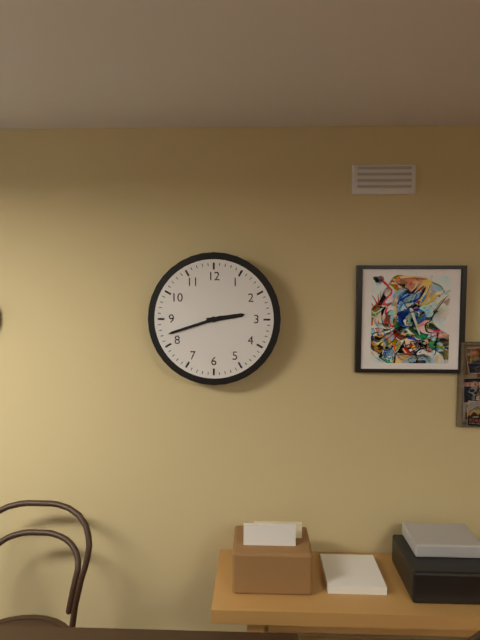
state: 2:42
